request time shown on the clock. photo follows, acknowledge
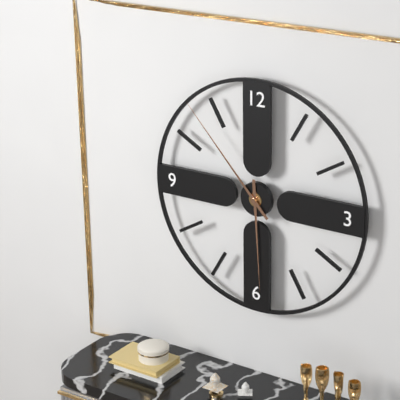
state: 5:53
